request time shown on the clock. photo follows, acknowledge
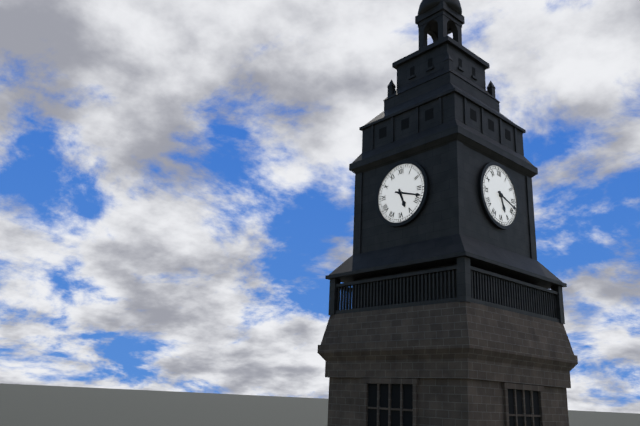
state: 5:18
